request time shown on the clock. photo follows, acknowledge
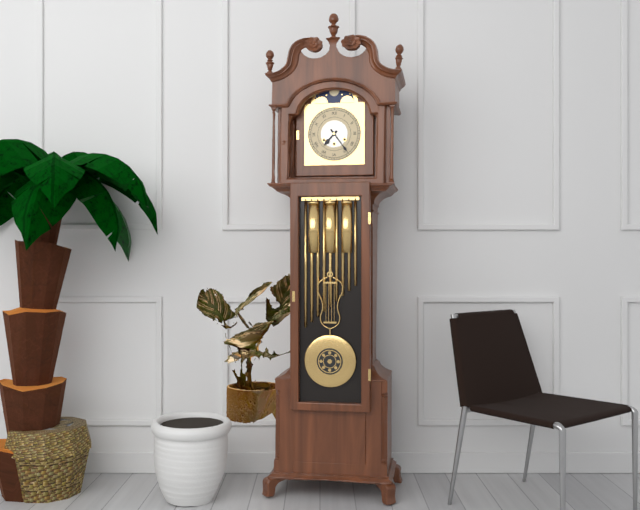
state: 7:24
